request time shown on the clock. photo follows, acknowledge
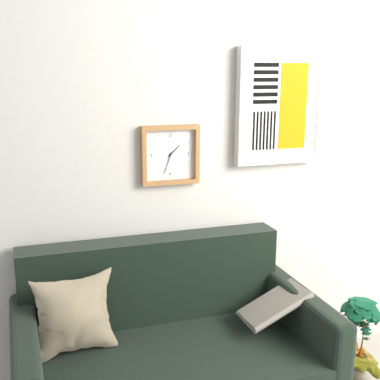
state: 1:33
